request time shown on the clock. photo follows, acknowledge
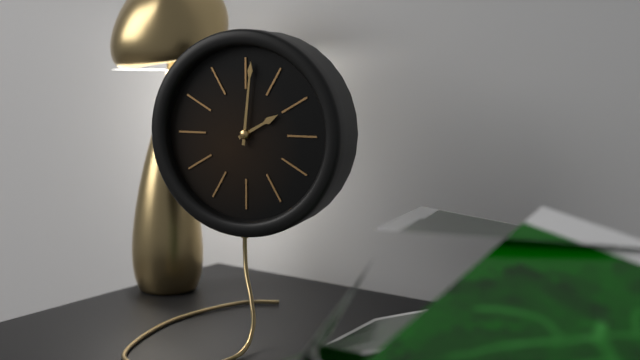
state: 2:01
